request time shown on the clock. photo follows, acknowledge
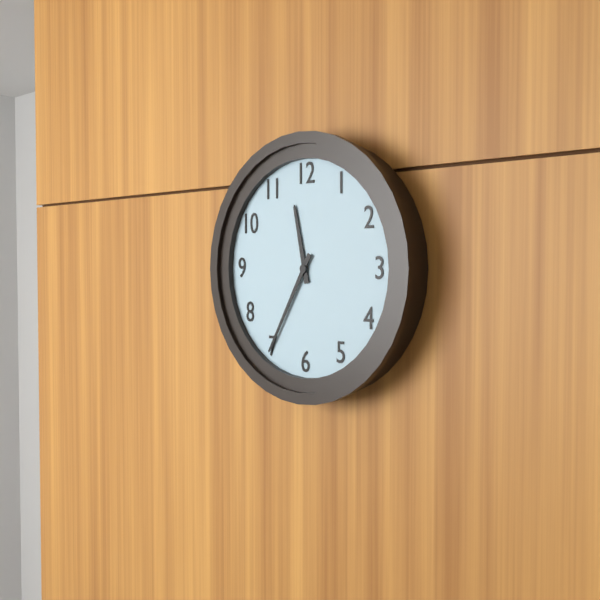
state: 11:35
